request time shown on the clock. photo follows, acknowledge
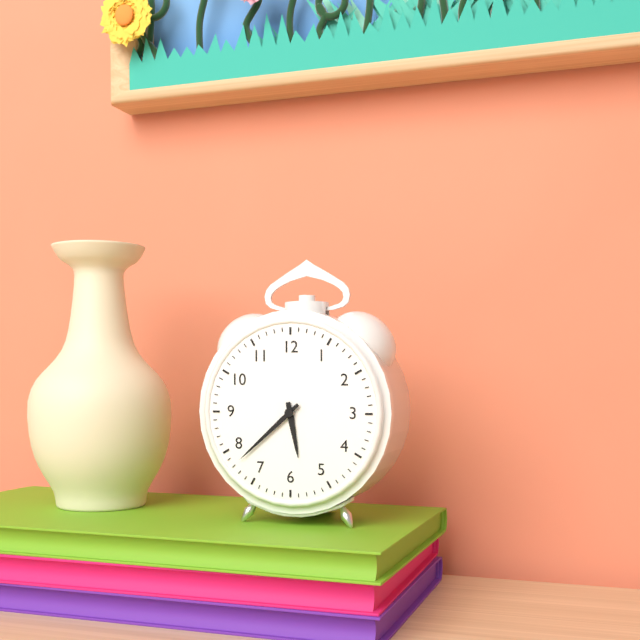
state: 5:38
